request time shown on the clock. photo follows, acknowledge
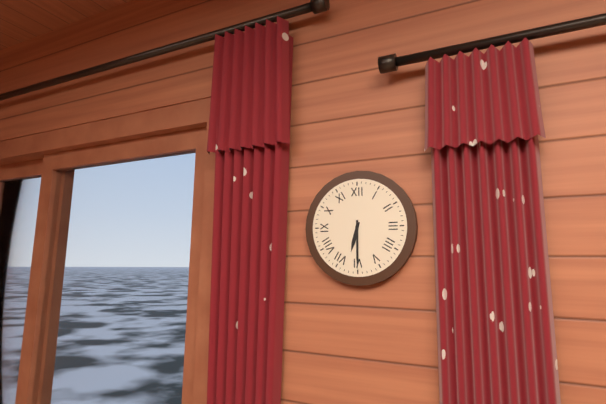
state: 6:30
